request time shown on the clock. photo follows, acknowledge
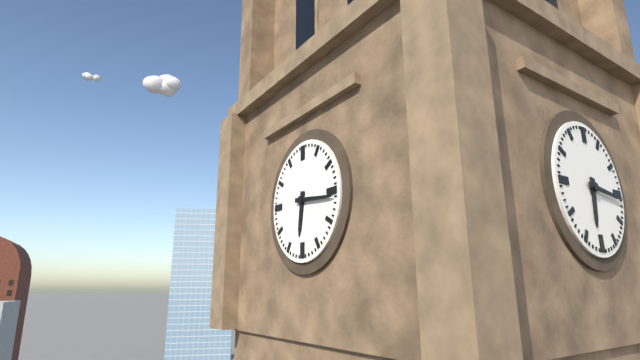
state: 6:16
